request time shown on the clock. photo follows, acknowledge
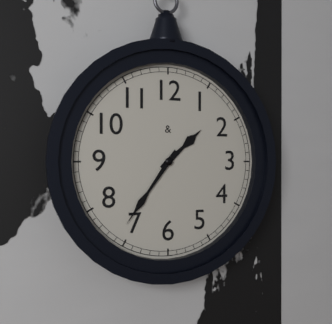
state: 1:36
